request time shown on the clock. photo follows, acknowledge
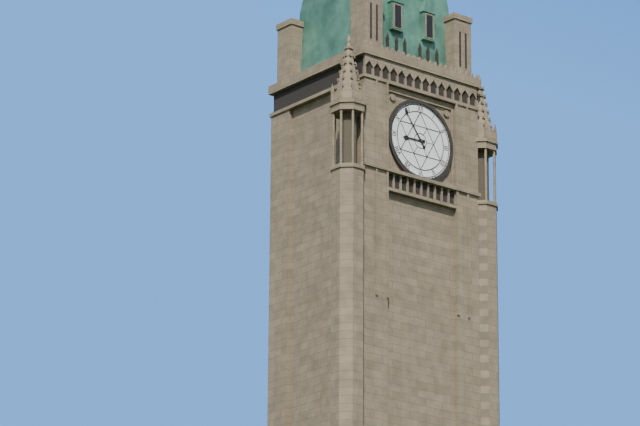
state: 8:54
